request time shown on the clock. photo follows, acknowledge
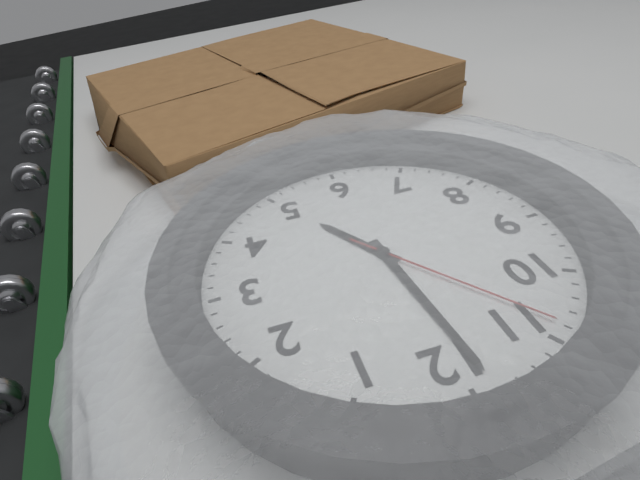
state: 4:59:54
